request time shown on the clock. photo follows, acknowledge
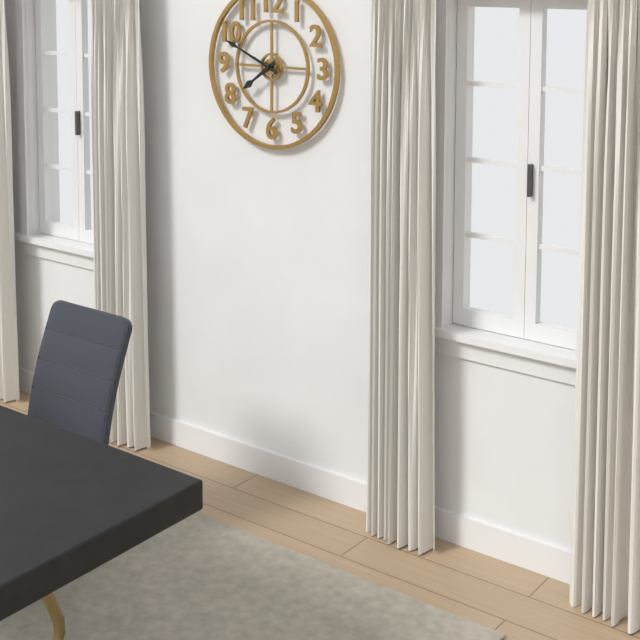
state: 7:49
